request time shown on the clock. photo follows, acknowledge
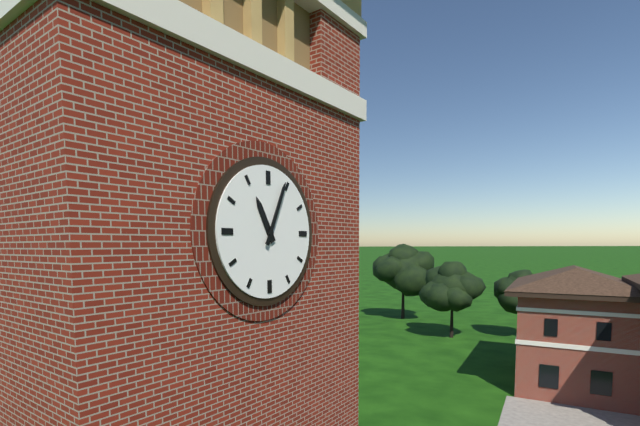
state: 11:04
